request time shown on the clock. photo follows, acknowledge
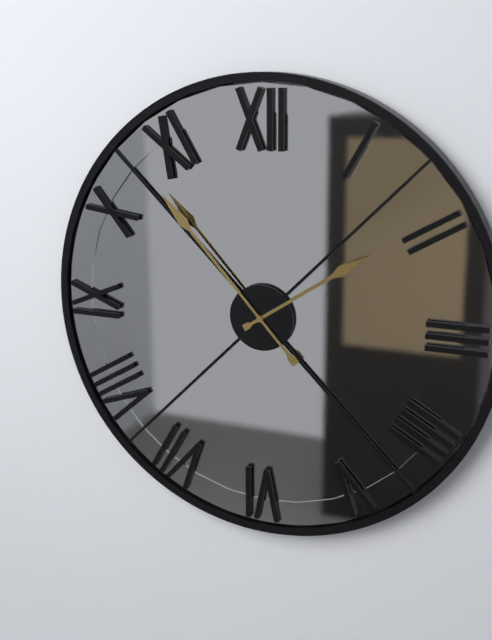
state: 1:53
